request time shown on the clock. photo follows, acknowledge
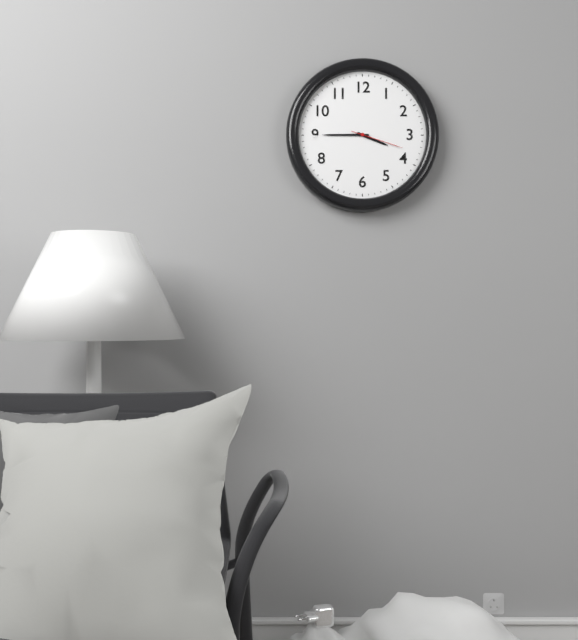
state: 3:45:18
